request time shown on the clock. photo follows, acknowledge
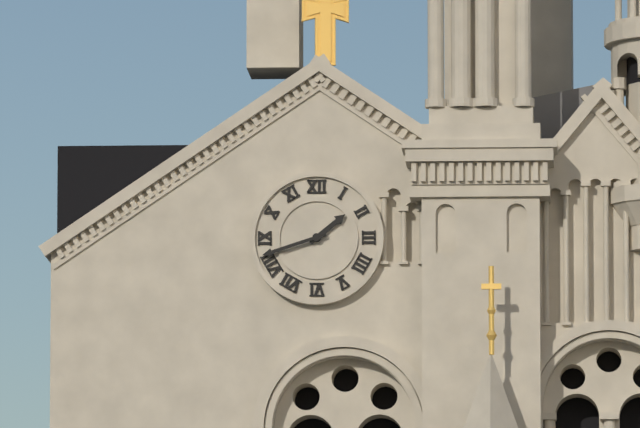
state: 1:42
